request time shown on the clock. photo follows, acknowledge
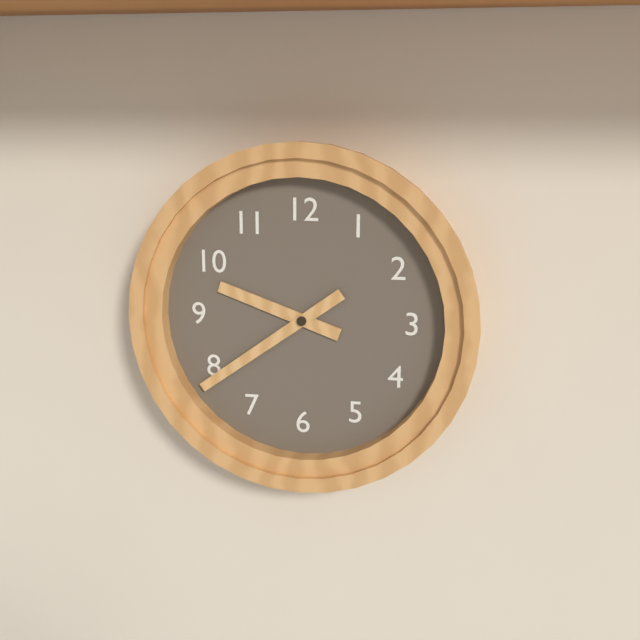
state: 9:39
